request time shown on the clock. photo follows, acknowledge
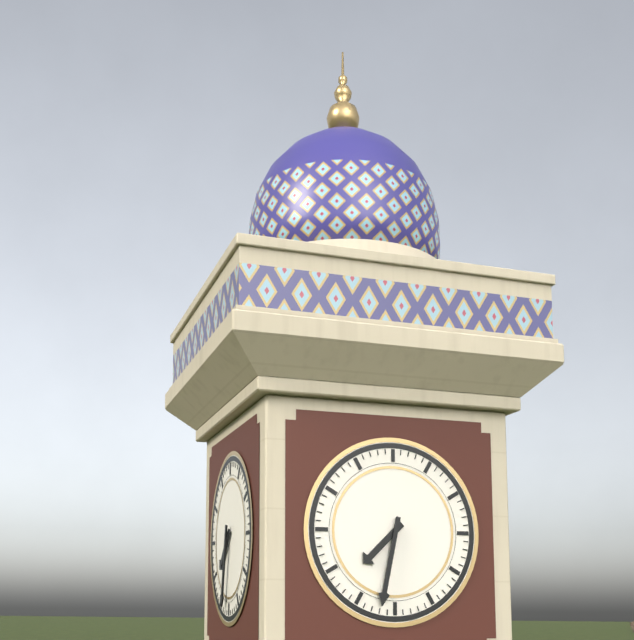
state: 7:32
